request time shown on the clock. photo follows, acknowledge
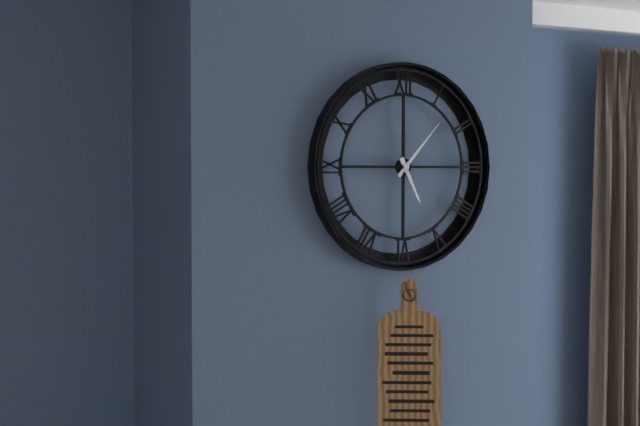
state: 5:07
